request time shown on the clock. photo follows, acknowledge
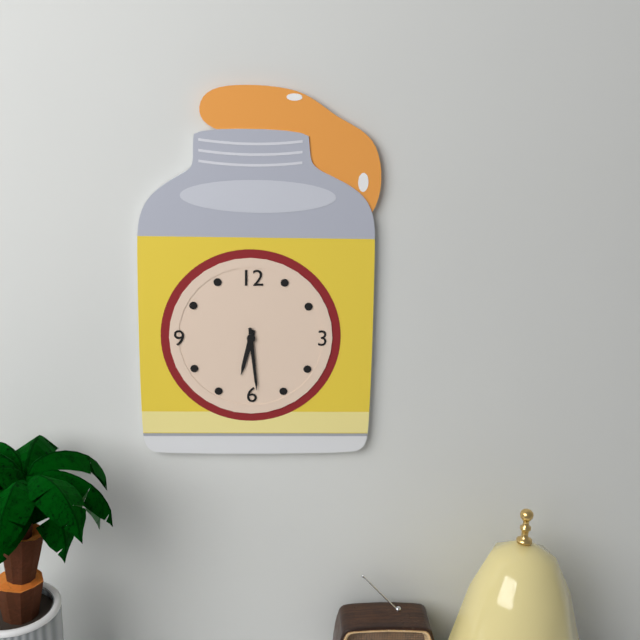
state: 6:29
